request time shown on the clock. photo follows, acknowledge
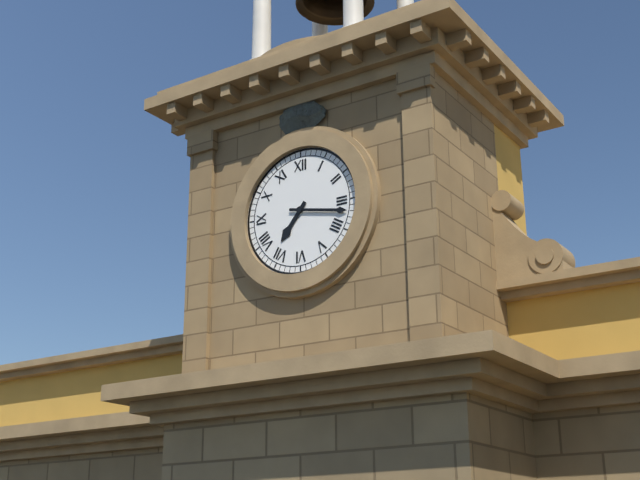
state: 7:17
